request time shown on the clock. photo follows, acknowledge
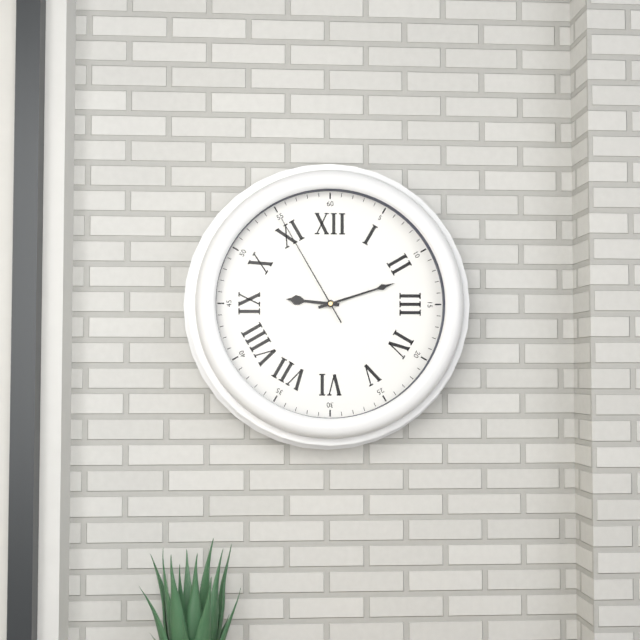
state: 9:12:55
